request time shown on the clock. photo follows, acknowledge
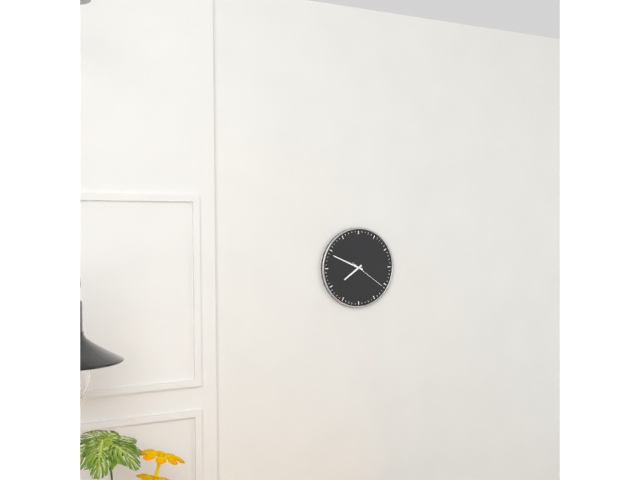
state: 7:49
